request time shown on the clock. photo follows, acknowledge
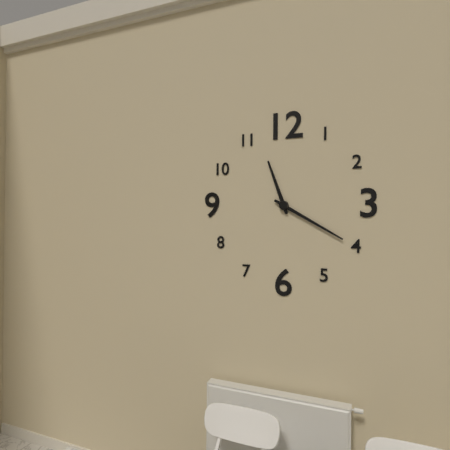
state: 11:20
